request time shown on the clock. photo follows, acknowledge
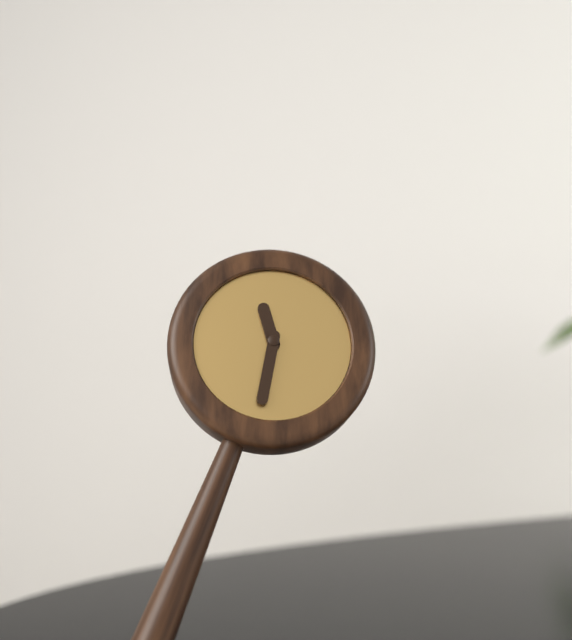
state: 11:32
